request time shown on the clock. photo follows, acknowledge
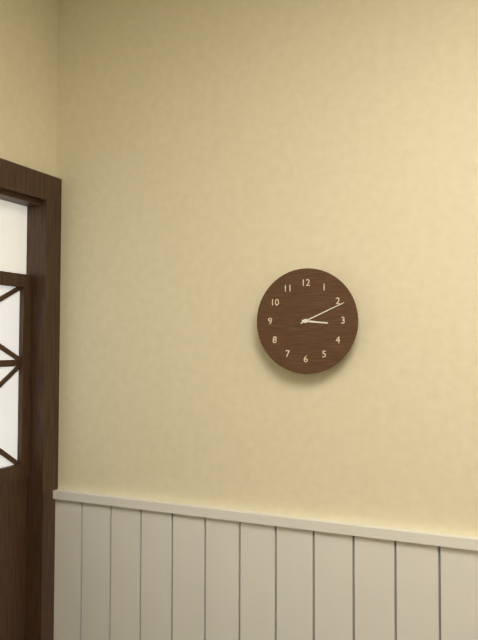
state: 3:11
